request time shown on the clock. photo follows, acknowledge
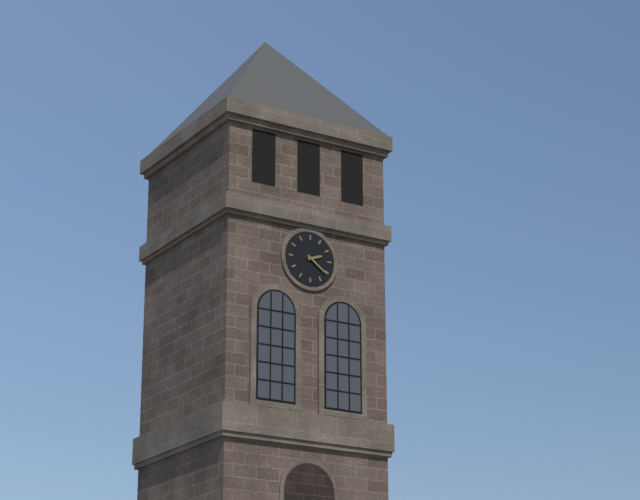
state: 2:21
